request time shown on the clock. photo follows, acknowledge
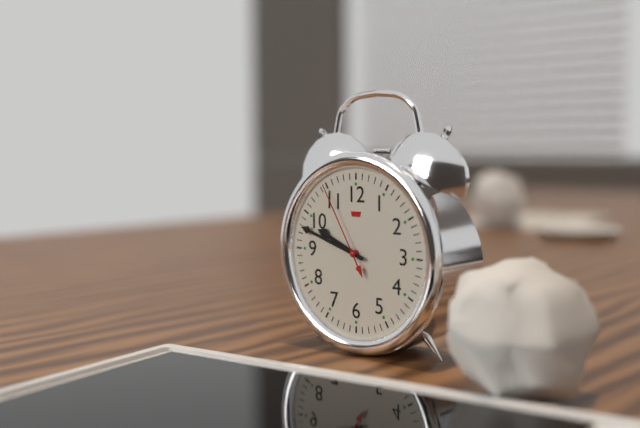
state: 9:48:55
